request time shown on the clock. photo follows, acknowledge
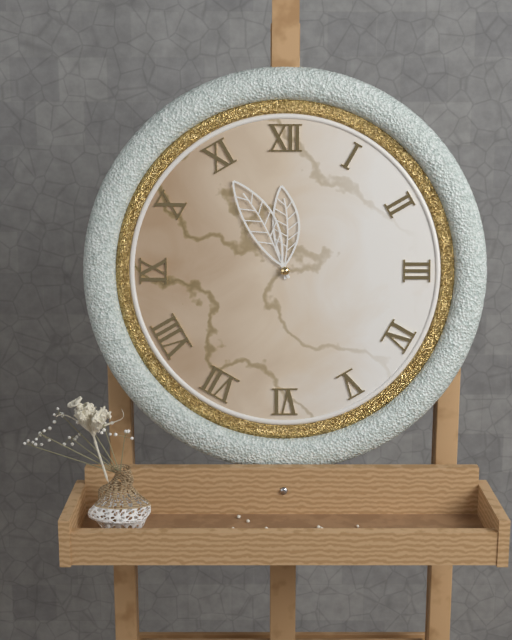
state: 11:55
